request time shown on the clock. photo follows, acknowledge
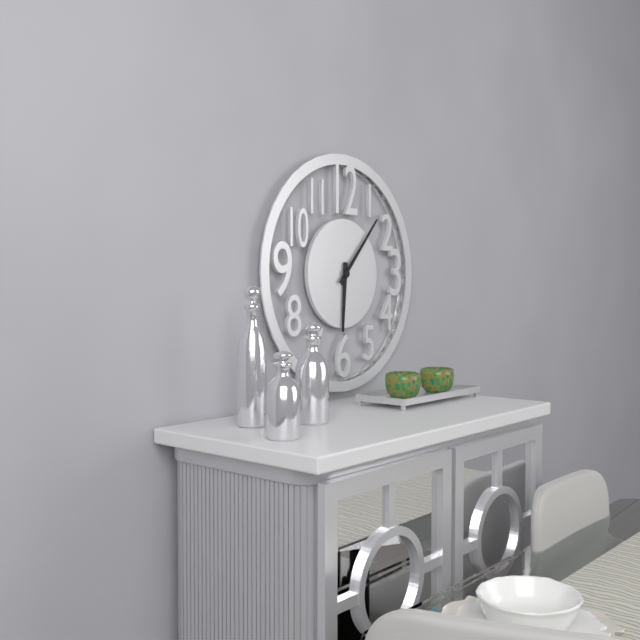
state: 6:07
